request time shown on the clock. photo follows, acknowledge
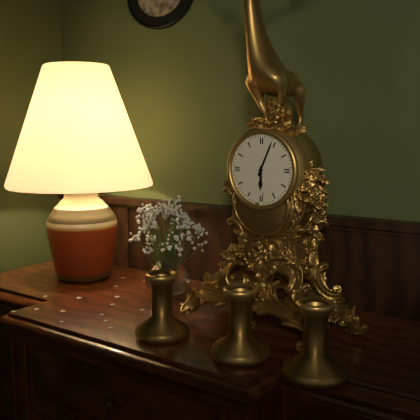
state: 6:04
